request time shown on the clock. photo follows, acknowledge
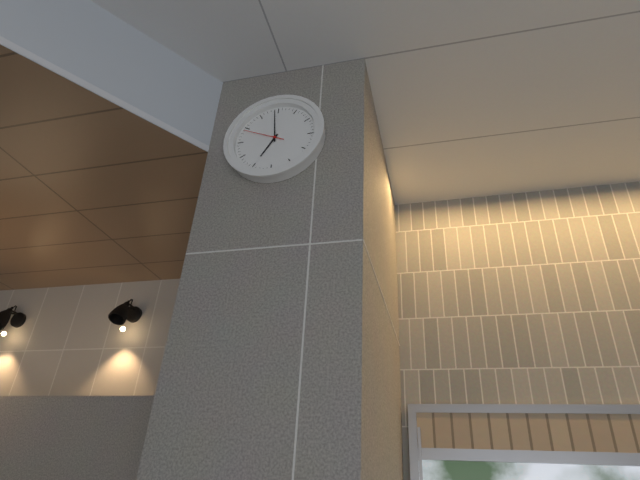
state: 6:59
